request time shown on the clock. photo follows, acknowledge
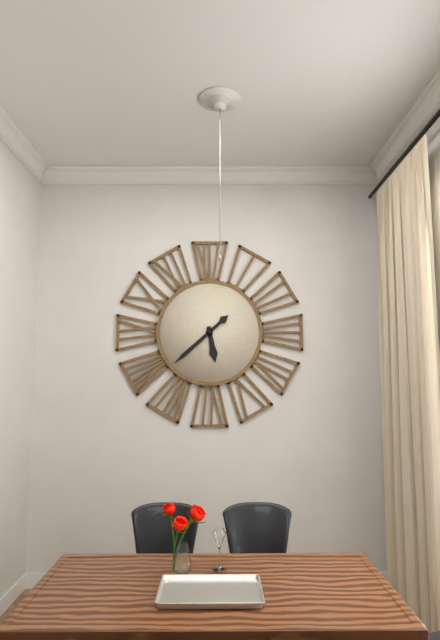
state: 5:38
